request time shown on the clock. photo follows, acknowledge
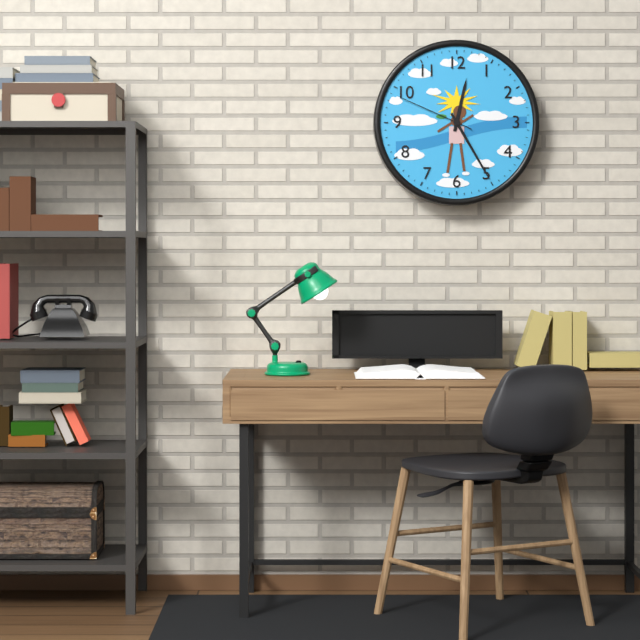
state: 12:25:49
